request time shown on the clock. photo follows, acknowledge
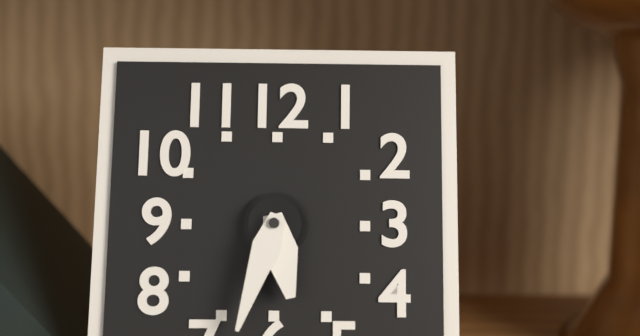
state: 5:33
